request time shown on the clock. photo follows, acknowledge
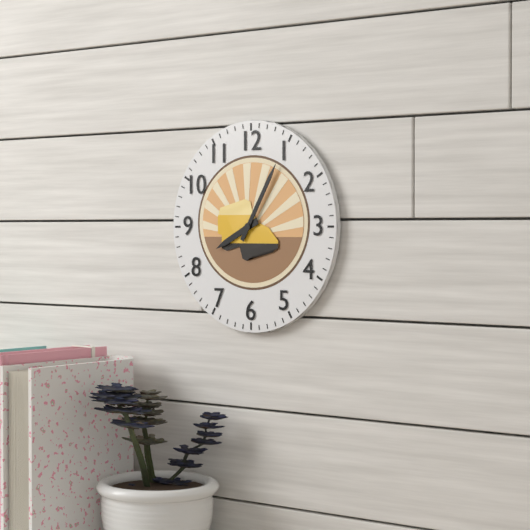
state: 8:05
